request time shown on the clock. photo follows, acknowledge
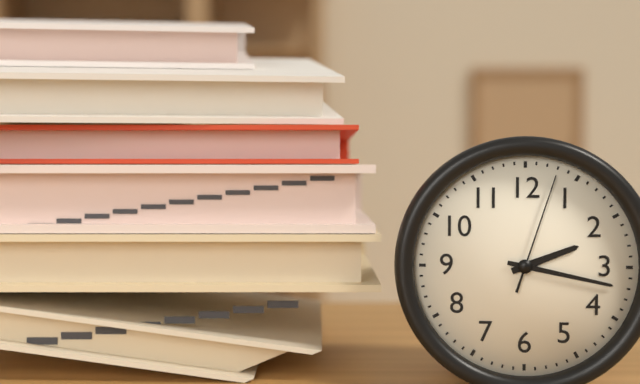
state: 2:17:03
